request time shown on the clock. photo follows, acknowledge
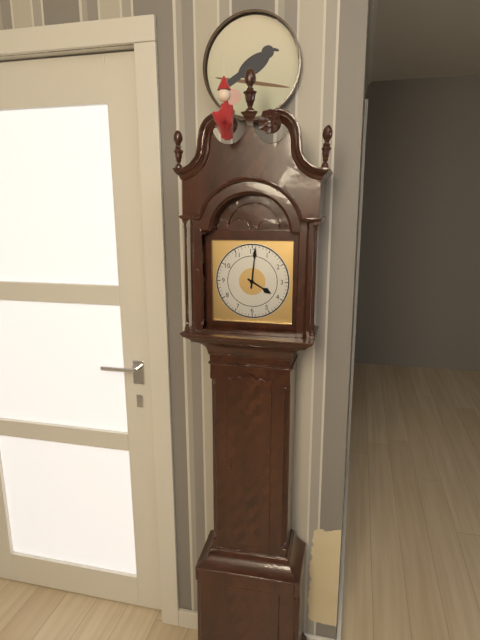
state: 4:01
